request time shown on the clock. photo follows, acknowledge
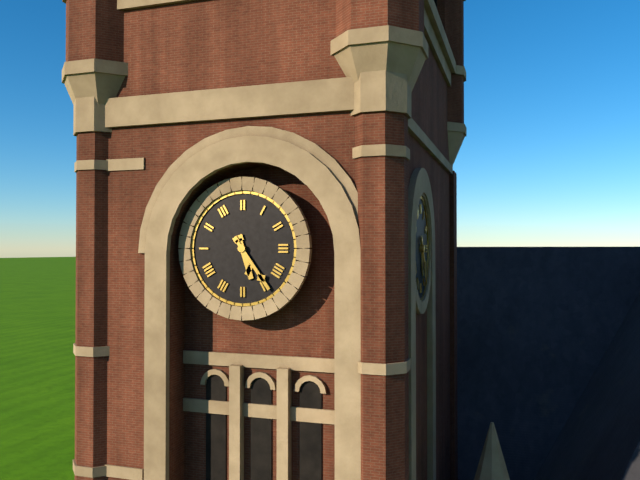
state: 5:24
